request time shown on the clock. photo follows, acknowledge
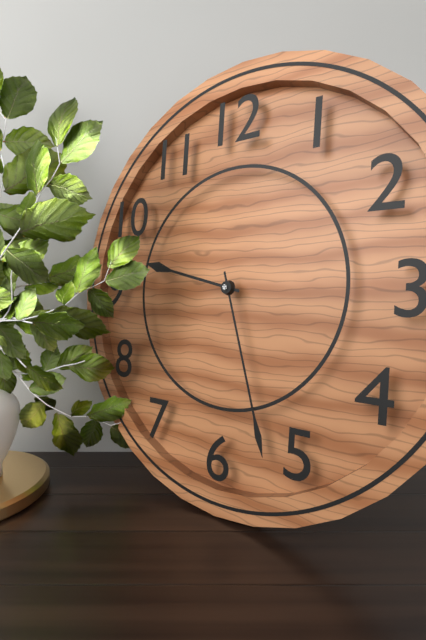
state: 9:27
